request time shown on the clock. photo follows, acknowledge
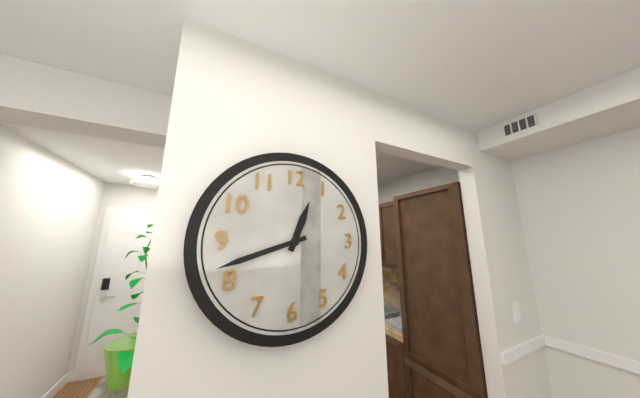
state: 12:42
